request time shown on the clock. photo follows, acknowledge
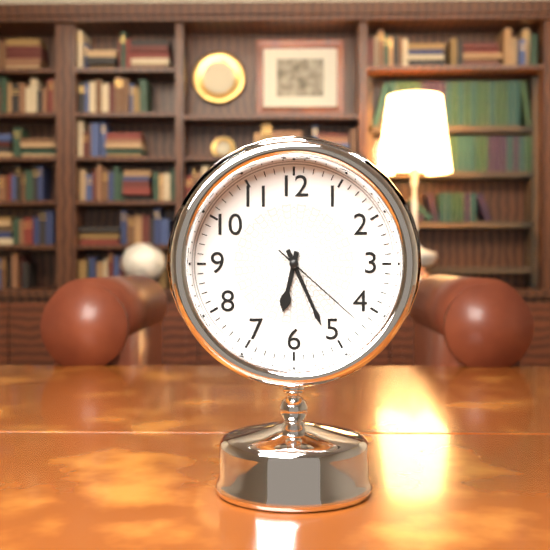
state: 6:26:22
